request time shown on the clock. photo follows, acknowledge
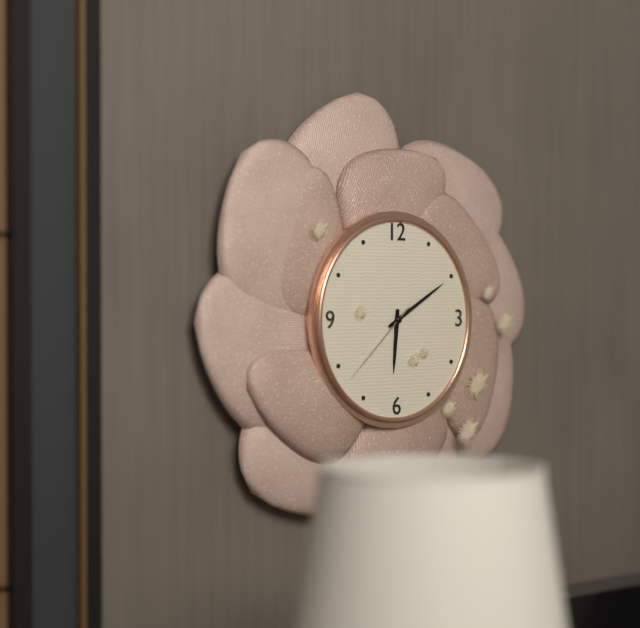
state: 6:10:38
